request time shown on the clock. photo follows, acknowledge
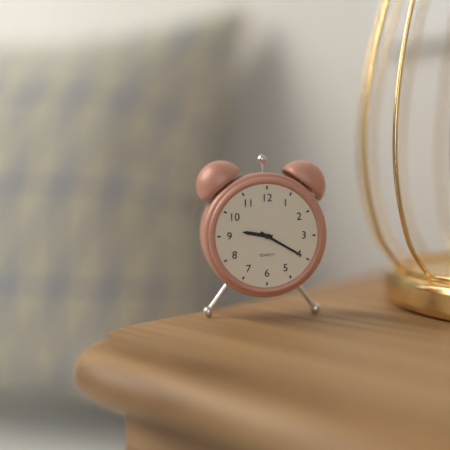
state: 9:20
